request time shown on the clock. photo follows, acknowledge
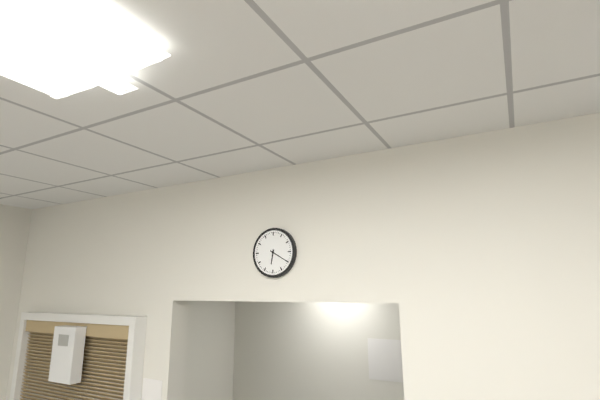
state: 6:20
